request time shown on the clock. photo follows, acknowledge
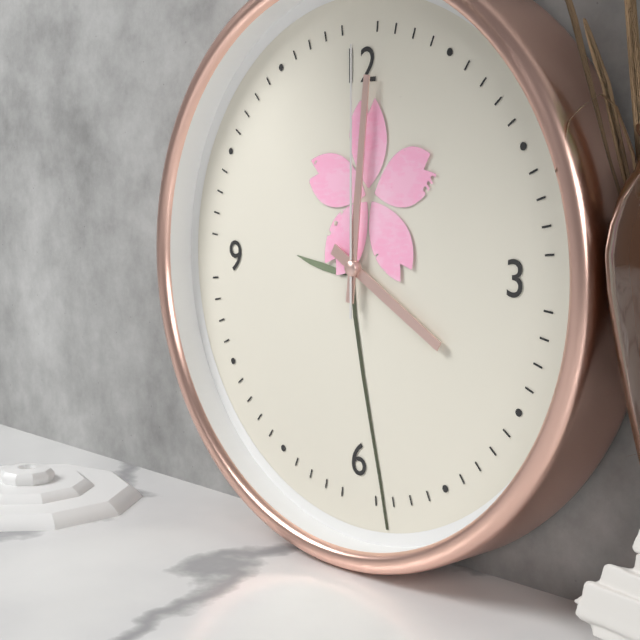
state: 4:01:00
